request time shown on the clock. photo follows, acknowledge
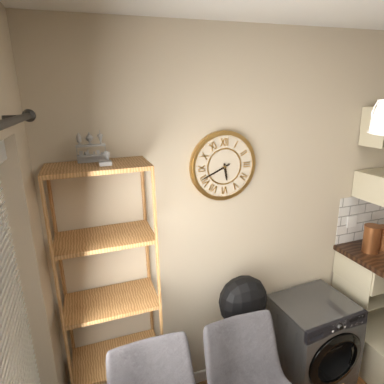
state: 5:41
